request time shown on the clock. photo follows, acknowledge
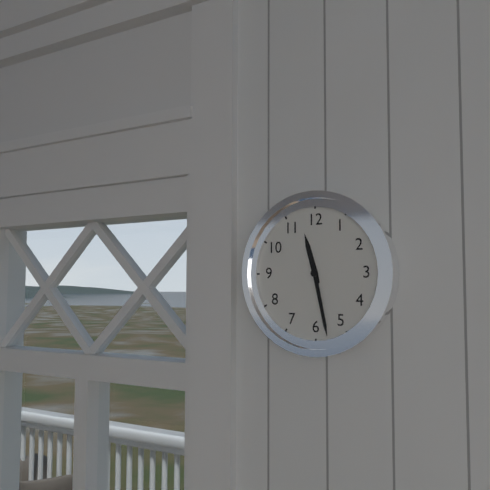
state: 11:28
